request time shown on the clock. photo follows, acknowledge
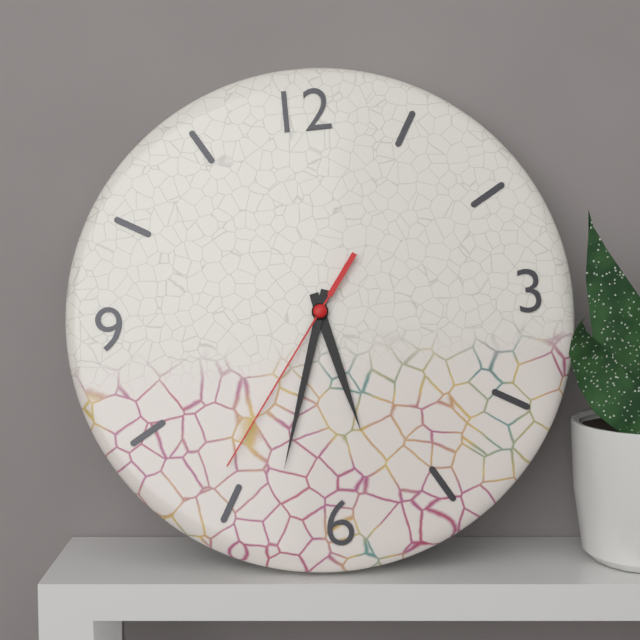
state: 5:33:36
